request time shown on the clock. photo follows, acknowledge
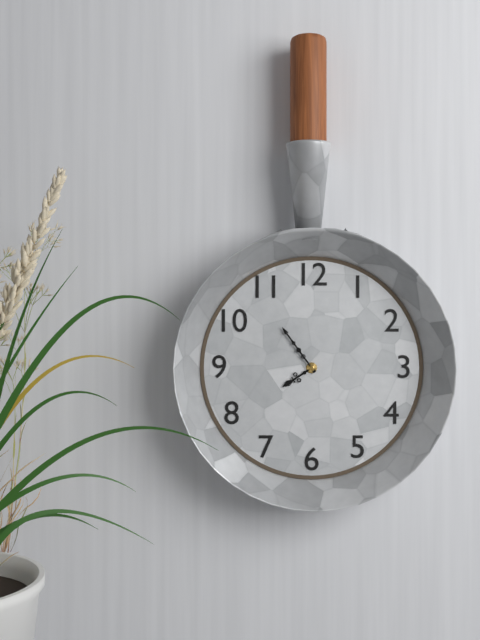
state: 7:54
